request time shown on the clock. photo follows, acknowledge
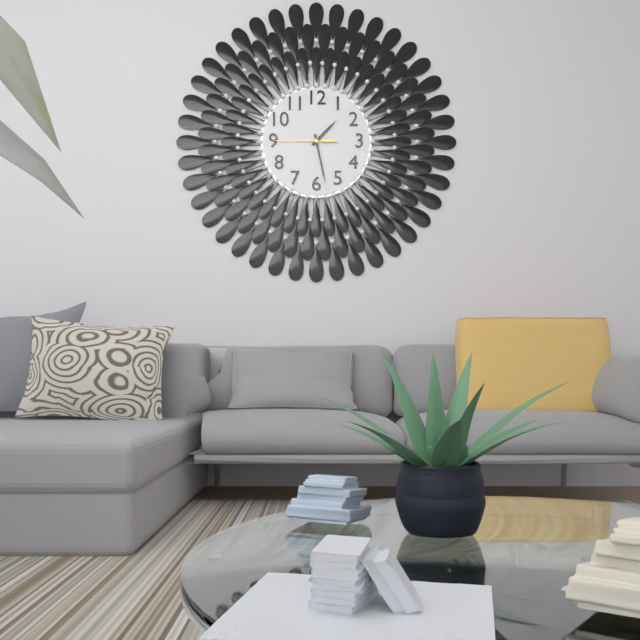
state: 1:28:45
